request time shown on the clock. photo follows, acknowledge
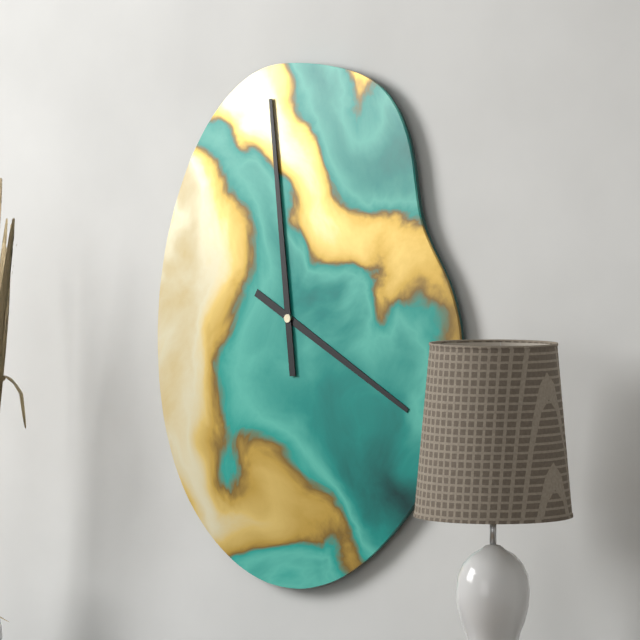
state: 3:59
